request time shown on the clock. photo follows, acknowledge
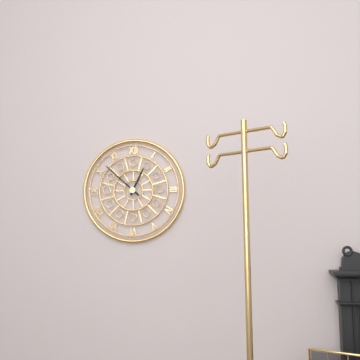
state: 12:52
